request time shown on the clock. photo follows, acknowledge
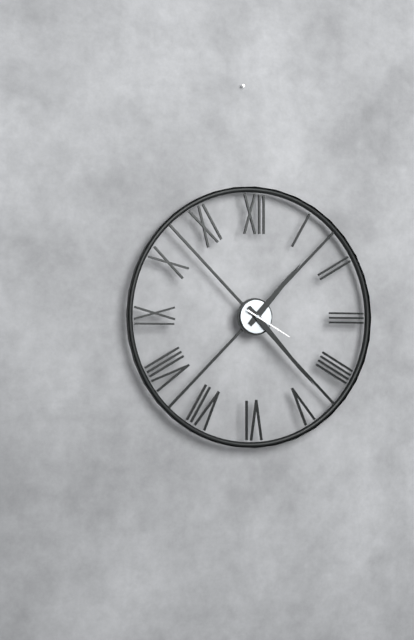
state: 1:23
